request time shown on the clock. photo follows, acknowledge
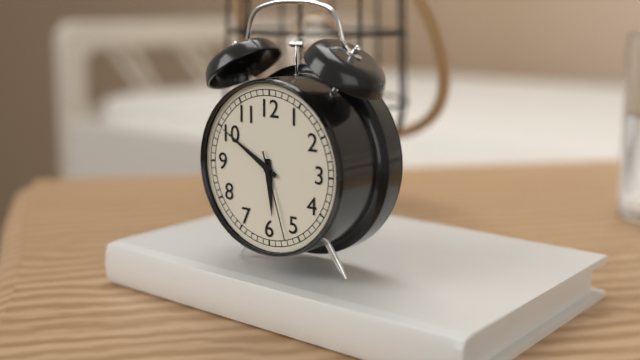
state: 5:50:27
